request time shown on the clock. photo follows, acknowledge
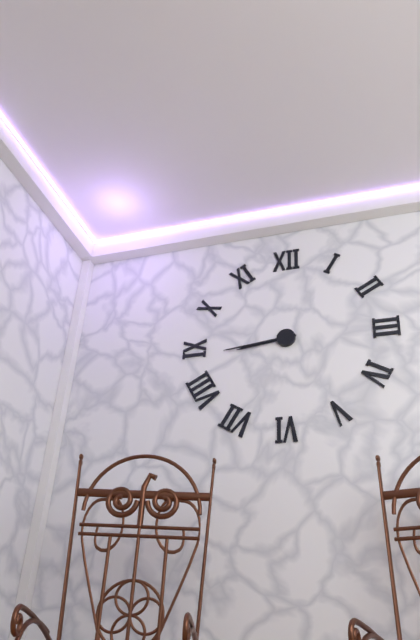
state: 8:44
